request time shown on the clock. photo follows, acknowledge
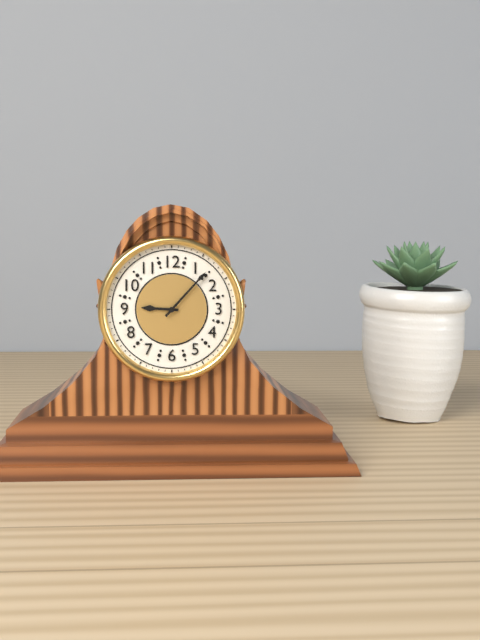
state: 9:07
